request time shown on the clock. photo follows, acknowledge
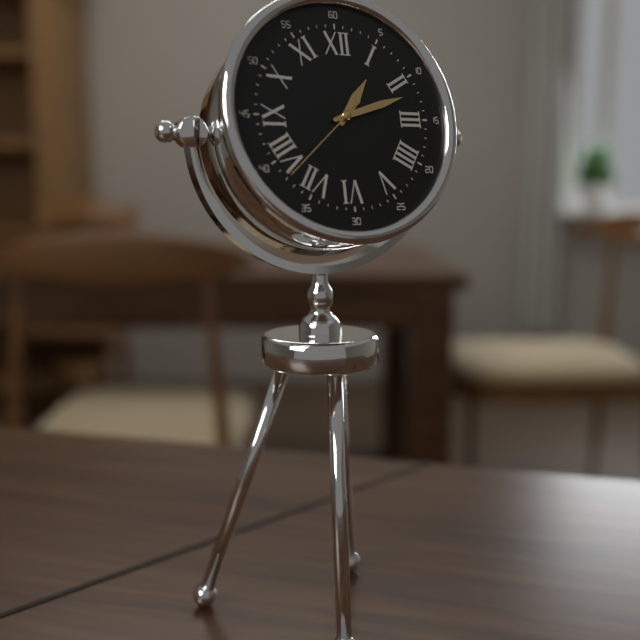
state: 1:12:38
